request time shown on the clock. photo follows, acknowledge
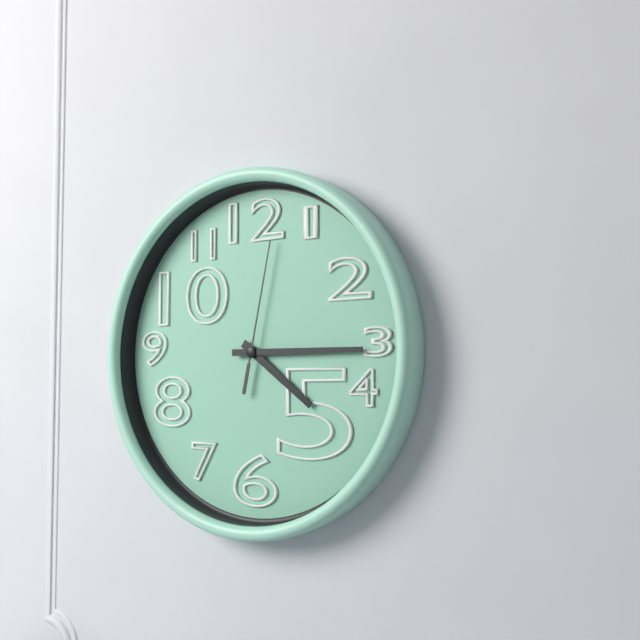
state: 4:15:02
